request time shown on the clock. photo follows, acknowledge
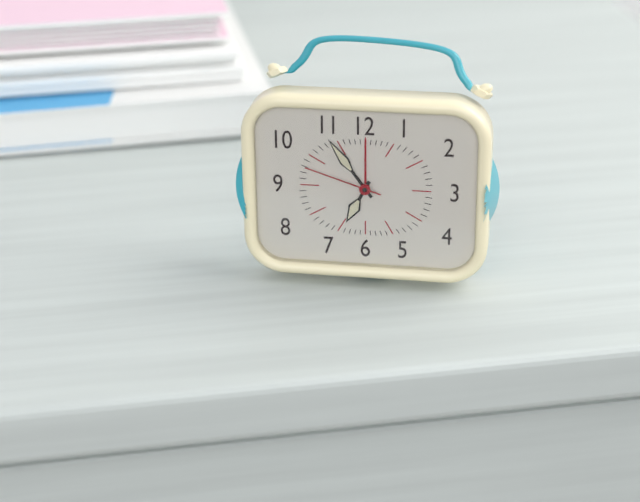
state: 6:54:48
